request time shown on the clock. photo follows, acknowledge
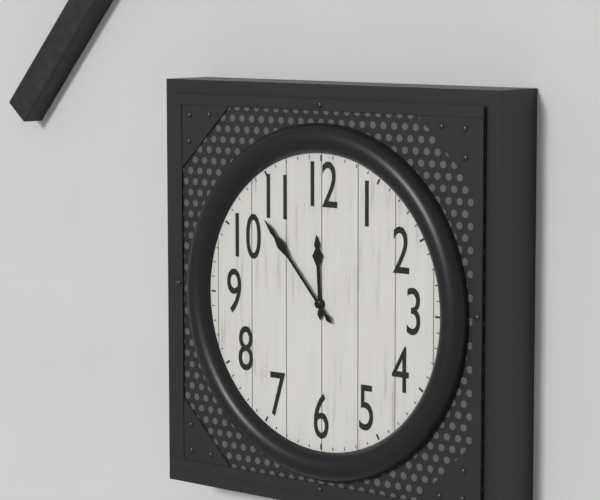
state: 11:53
